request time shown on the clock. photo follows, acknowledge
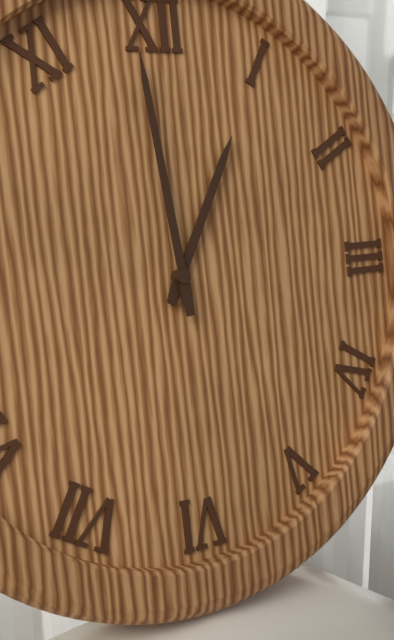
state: 12:59
